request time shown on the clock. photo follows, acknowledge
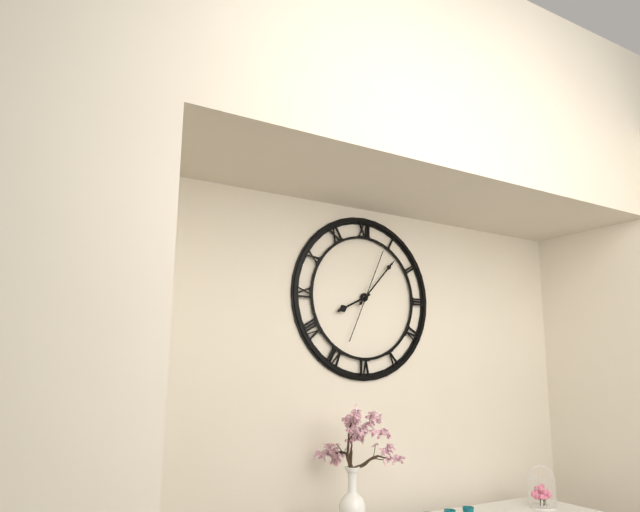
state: 8:07:04
